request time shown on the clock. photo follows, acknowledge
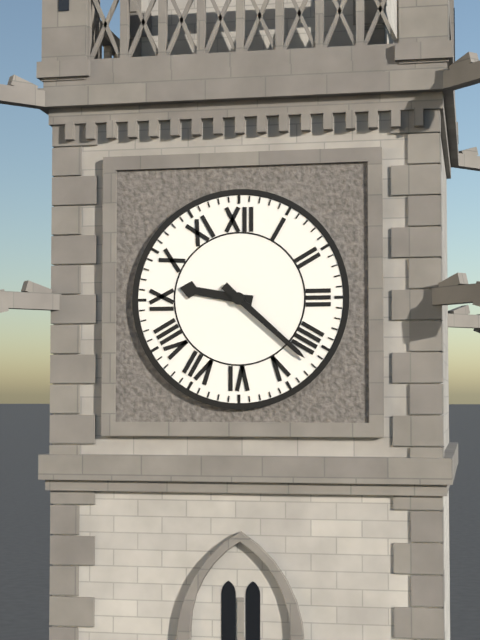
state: 9:22
